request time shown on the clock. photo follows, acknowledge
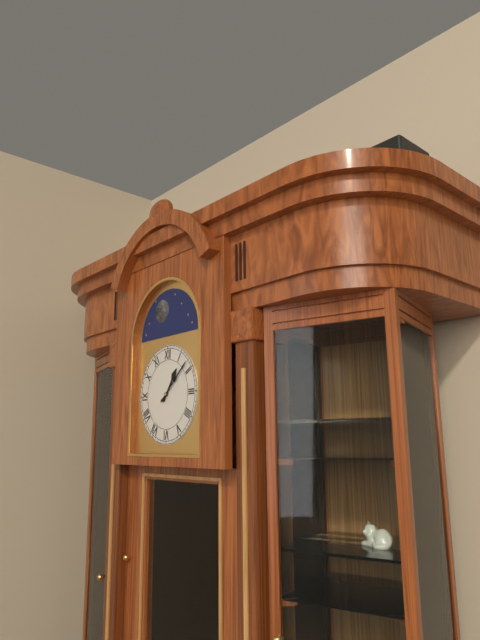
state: 1:08
